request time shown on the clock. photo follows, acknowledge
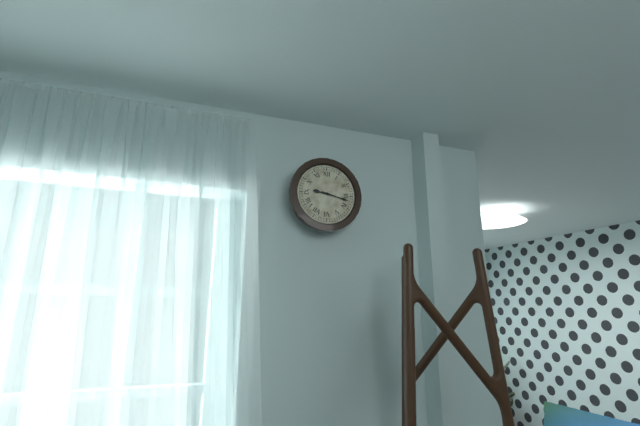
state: 9:17
